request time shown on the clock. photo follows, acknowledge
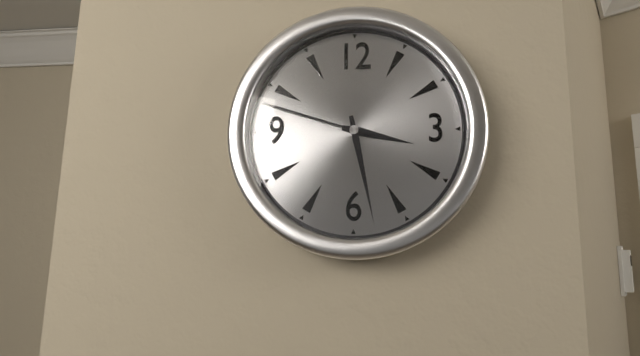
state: 3:28:48
